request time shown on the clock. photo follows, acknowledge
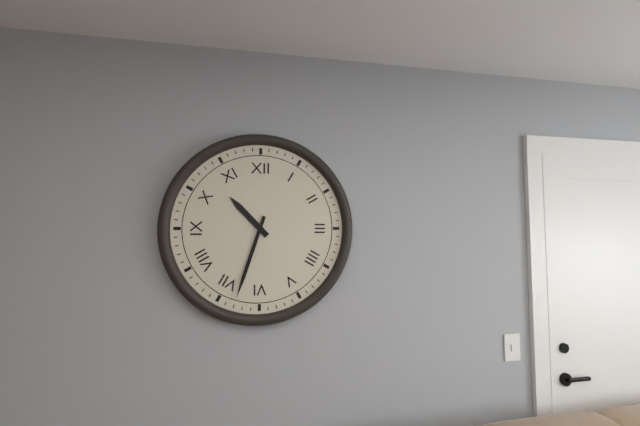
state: 10:33
